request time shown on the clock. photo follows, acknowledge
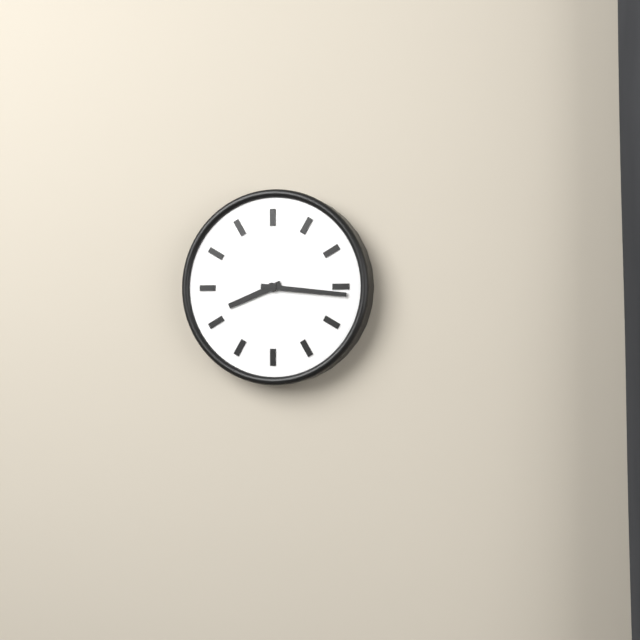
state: 8:16
